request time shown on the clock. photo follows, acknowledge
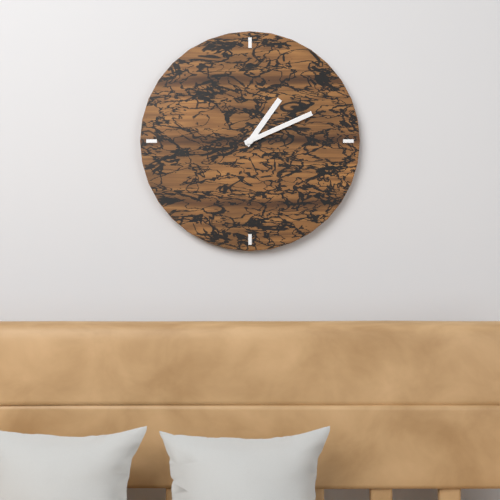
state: 1:11
